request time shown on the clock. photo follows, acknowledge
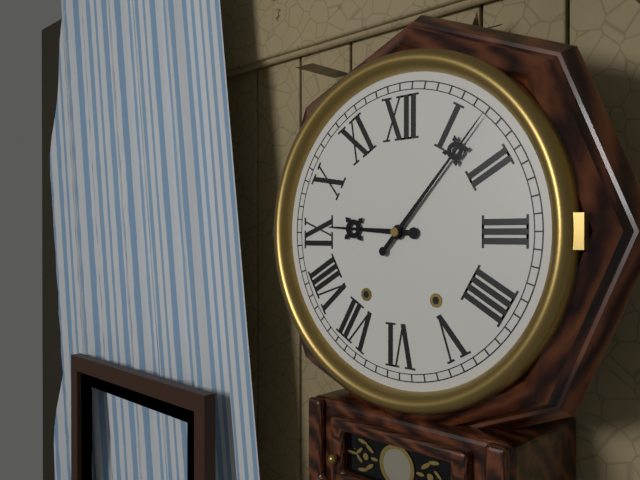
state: 9:07
